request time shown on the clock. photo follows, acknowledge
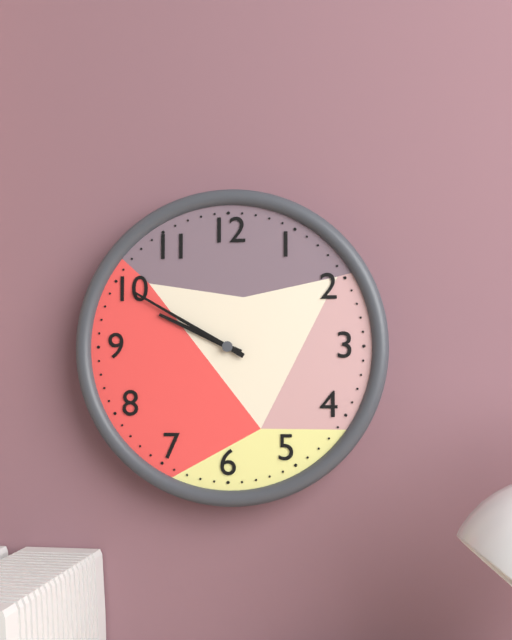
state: 9:50
